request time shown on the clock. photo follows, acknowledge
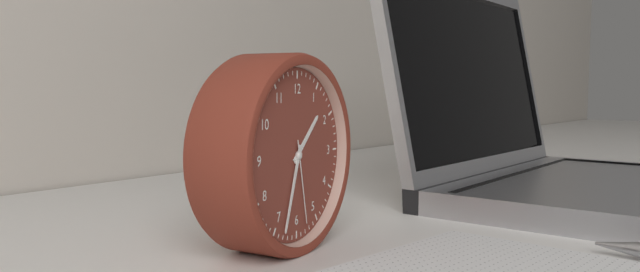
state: 1:33:28
